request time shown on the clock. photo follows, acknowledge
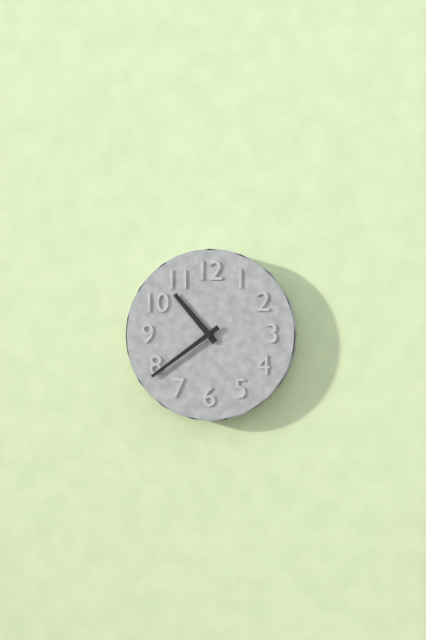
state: 10:39
